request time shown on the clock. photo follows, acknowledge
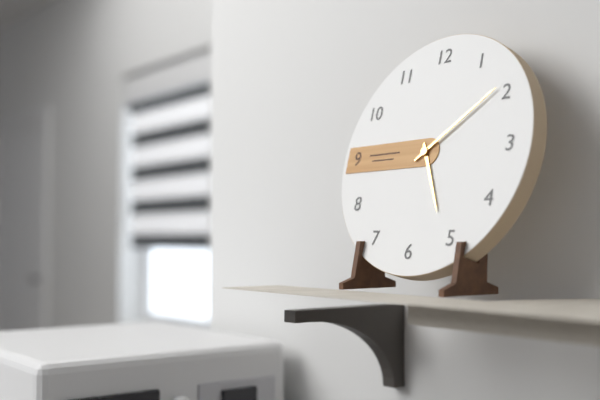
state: 5:09
